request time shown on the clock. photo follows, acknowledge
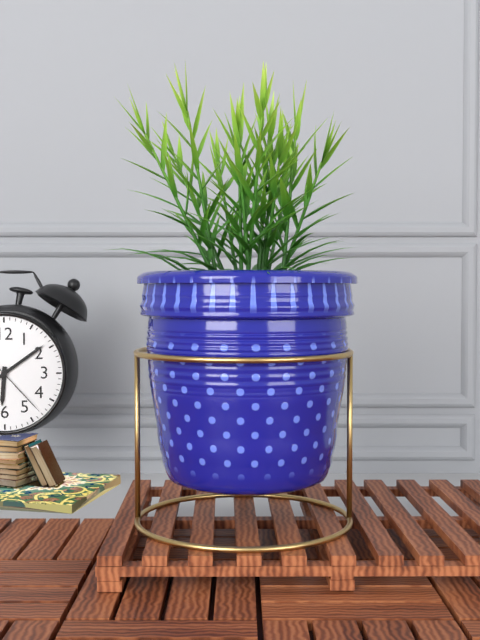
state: 6:09:23
